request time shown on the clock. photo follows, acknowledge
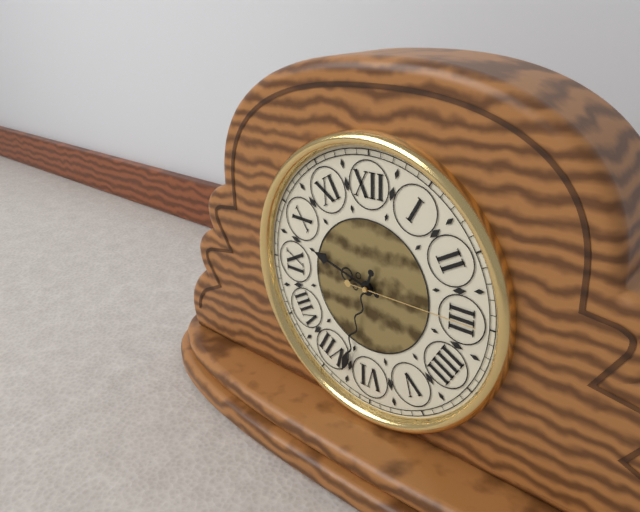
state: 9:33:15
